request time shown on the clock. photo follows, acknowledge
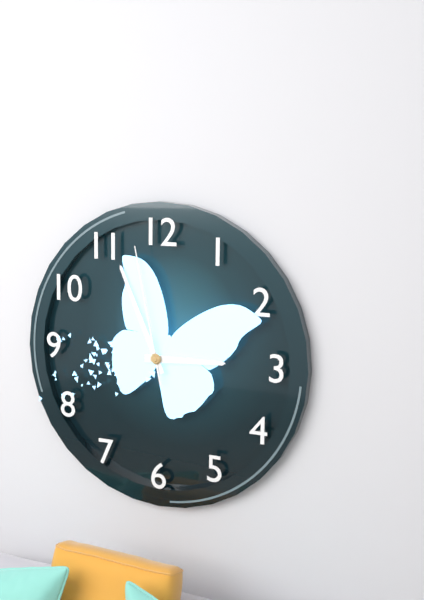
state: 2:56:58
